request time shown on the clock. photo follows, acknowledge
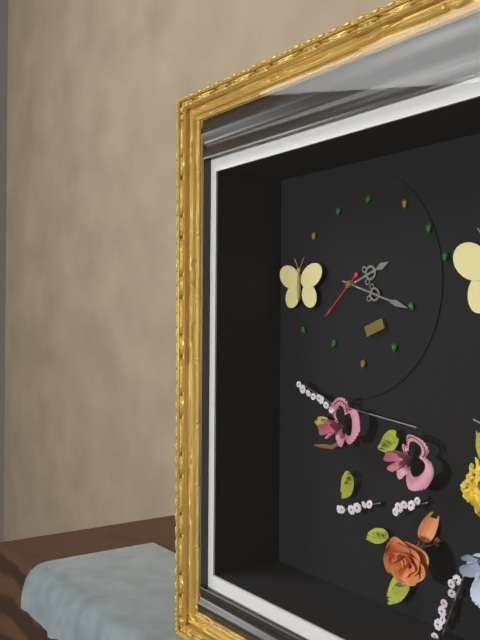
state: 2:18:38
